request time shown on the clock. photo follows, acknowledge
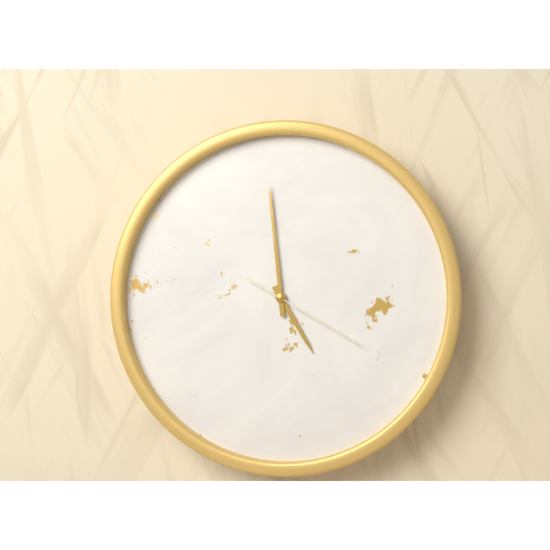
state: 4:59:20
